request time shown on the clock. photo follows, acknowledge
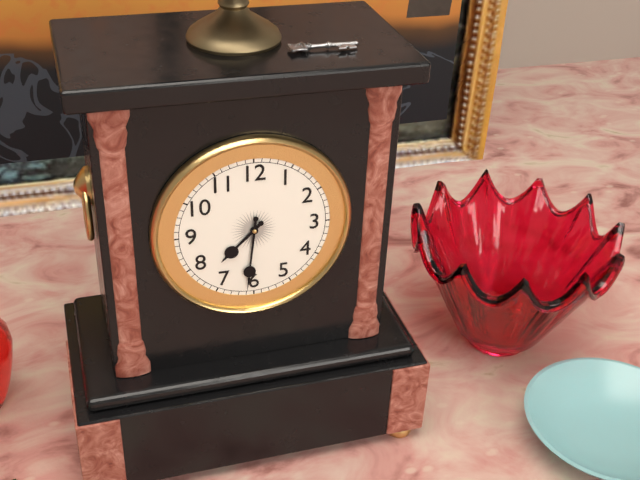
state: 7:31
